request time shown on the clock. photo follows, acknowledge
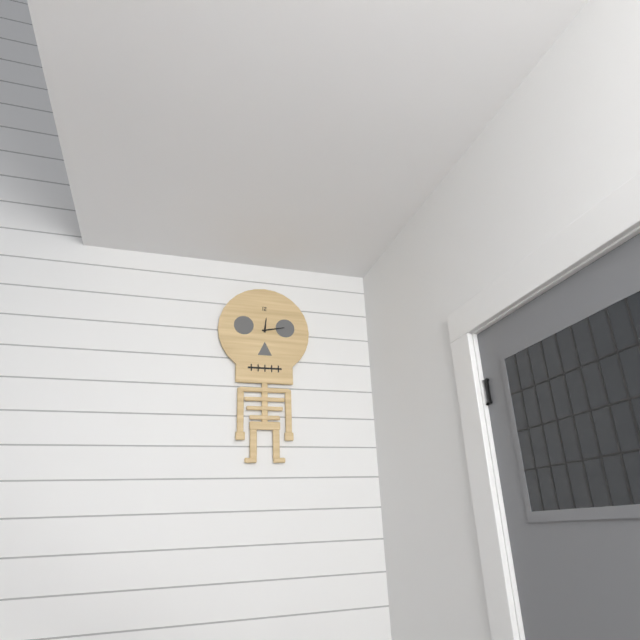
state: 12:13
